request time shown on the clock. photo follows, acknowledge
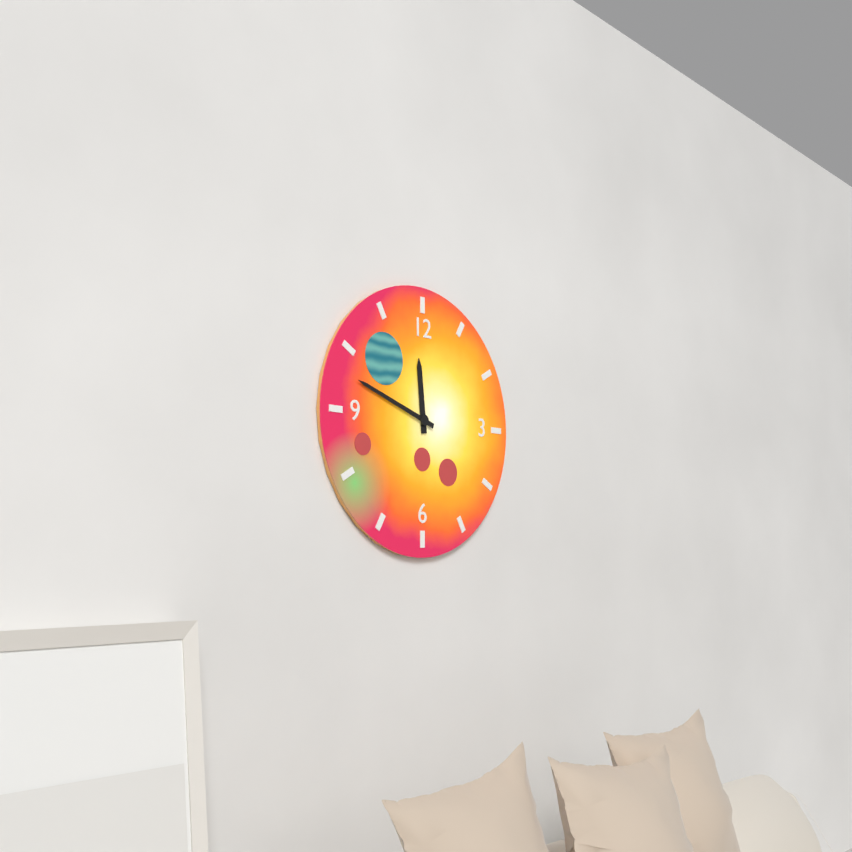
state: 11:48
